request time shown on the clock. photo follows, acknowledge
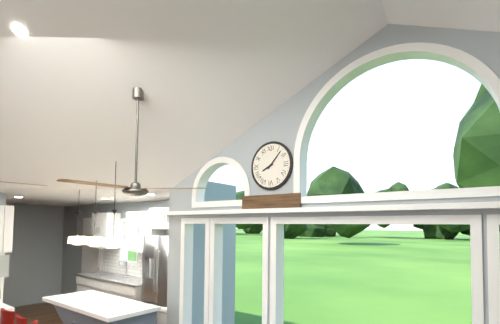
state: 8:07
